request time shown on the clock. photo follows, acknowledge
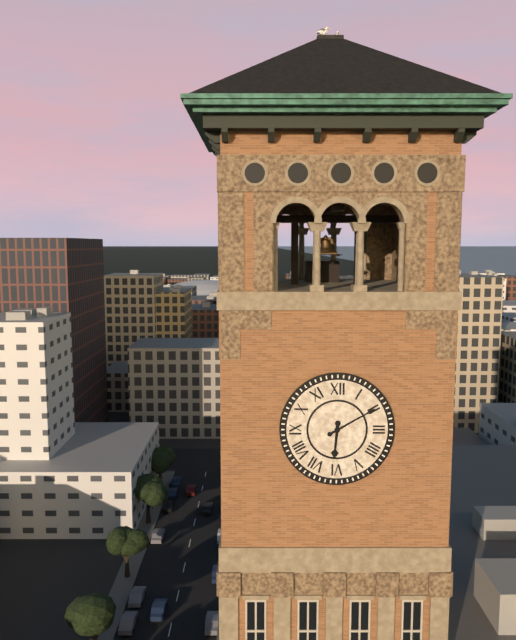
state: 6:10
